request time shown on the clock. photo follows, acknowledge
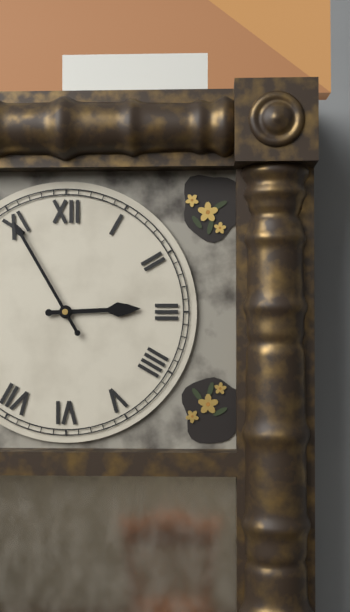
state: 2:55
